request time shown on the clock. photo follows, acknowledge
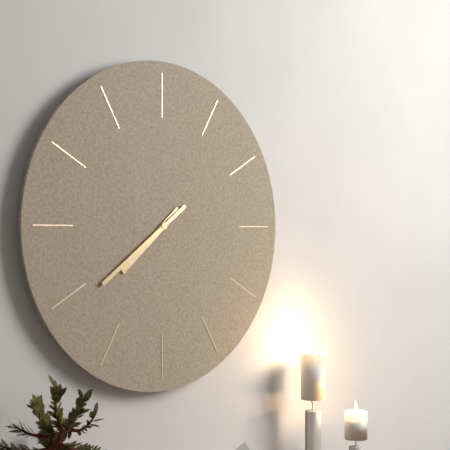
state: 7:39
